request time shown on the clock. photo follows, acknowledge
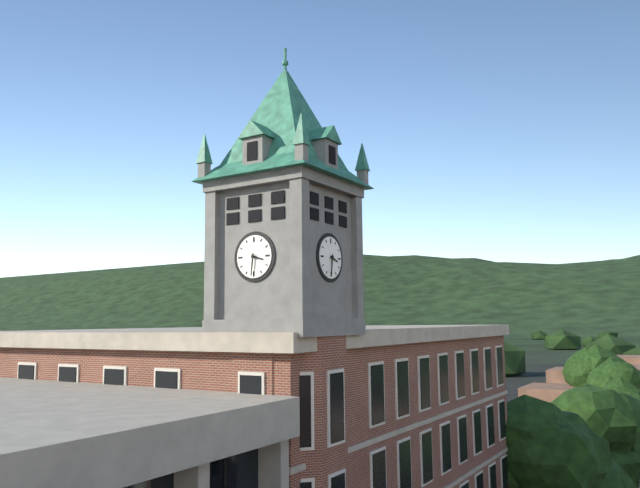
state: 3:31
